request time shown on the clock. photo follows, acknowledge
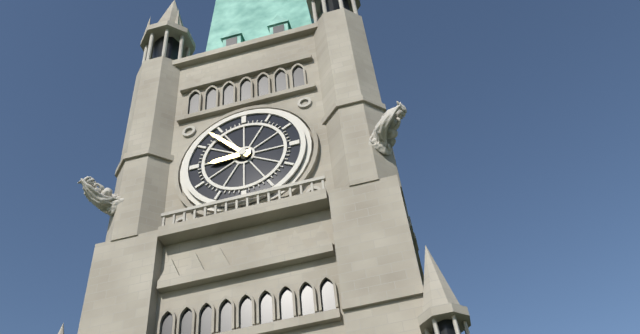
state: 8:53
